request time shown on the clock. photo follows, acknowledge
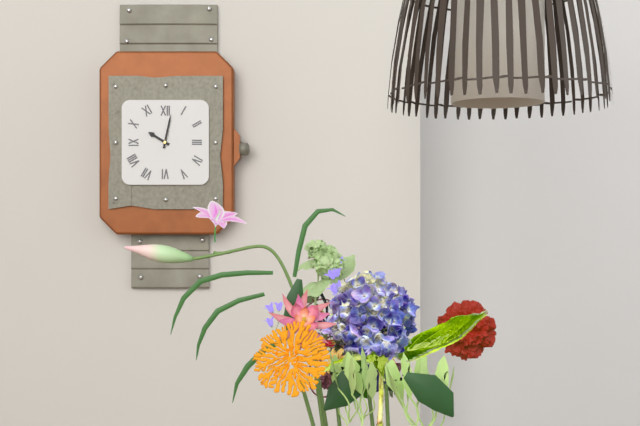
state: 10:02
